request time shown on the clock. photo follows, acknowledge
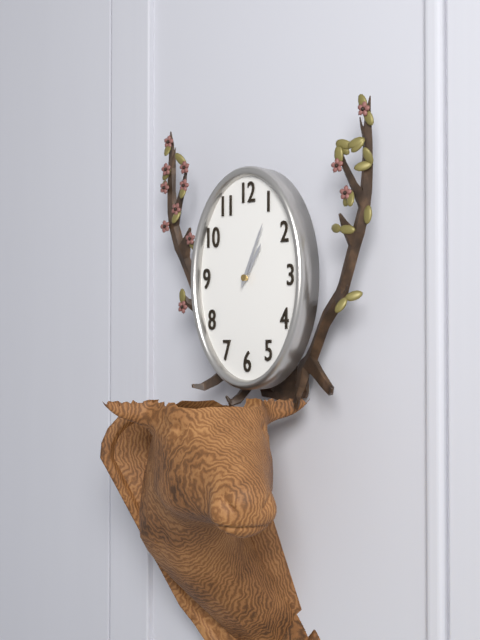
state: 1:04
